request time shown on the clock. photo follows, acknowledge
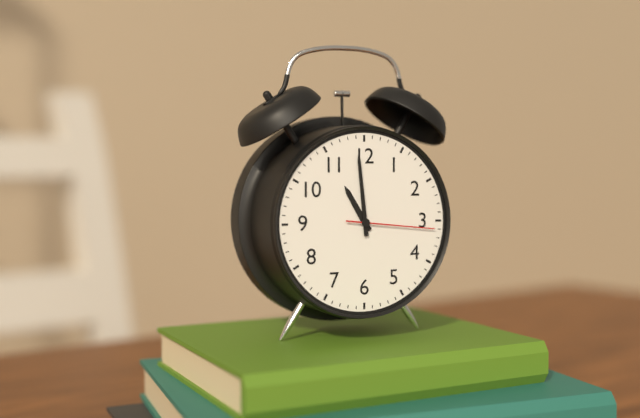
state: 10:59:16
